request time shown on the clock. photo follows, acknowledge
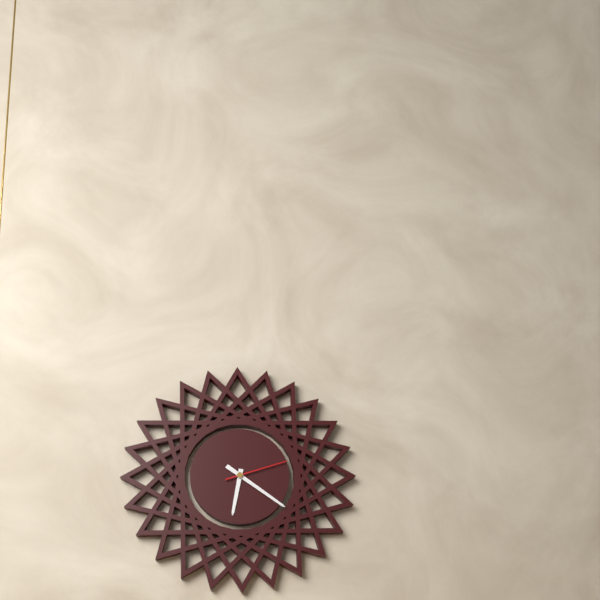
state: 6:21:12
